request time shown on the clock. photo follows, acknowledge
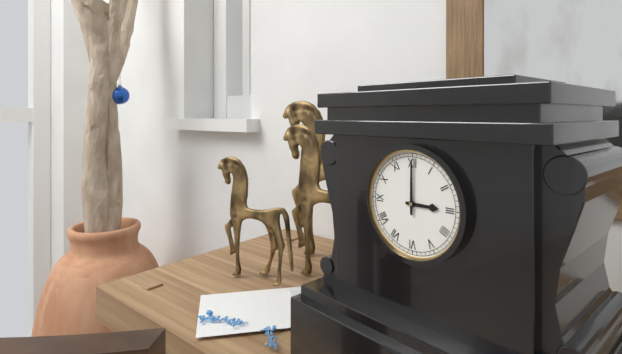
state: 3:00
